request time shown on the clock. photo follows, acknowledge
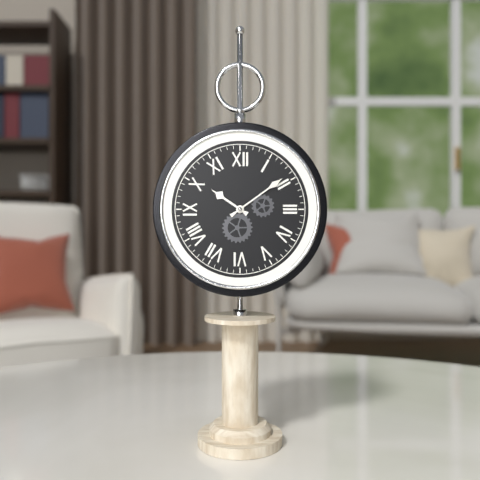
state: 10:09
